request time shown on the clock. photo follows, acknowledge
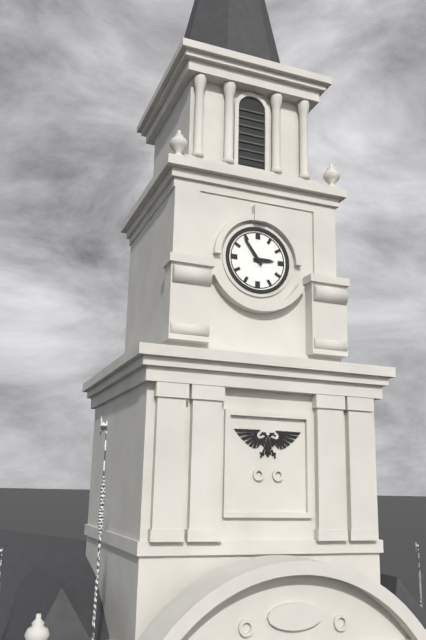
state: 2:54
